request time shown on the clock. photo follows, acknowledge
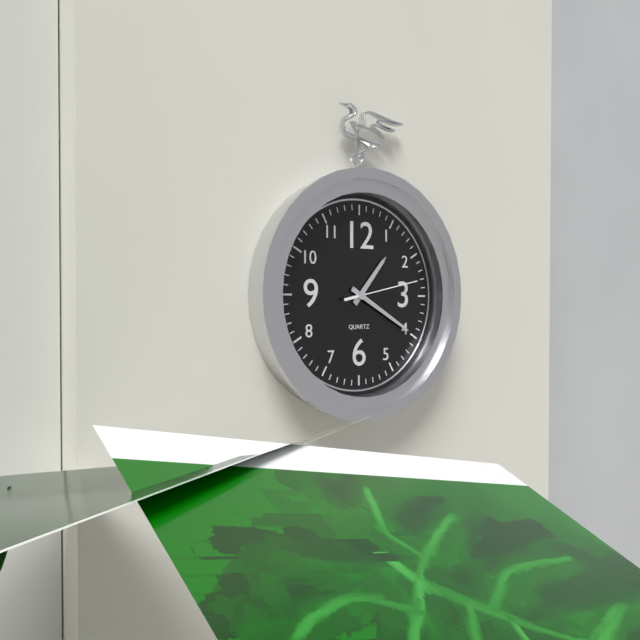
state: 1:20:13
